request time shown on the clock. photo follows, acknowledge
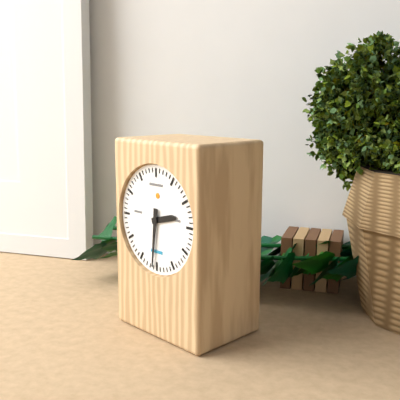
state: 2:31
